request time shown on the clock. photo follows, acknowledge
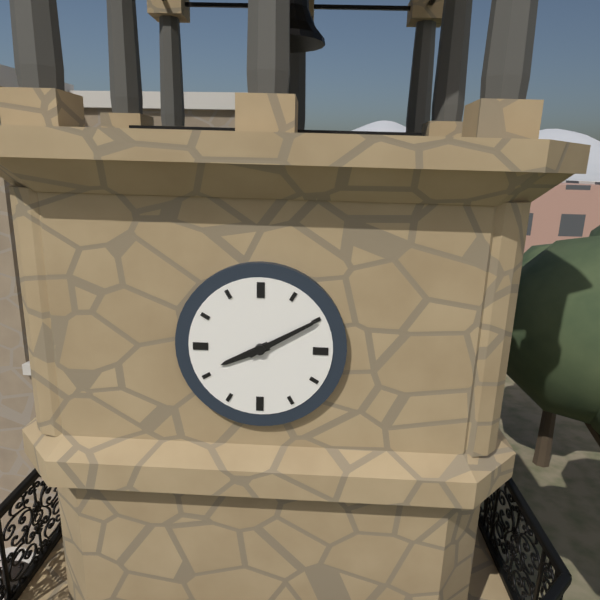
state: 8:10
